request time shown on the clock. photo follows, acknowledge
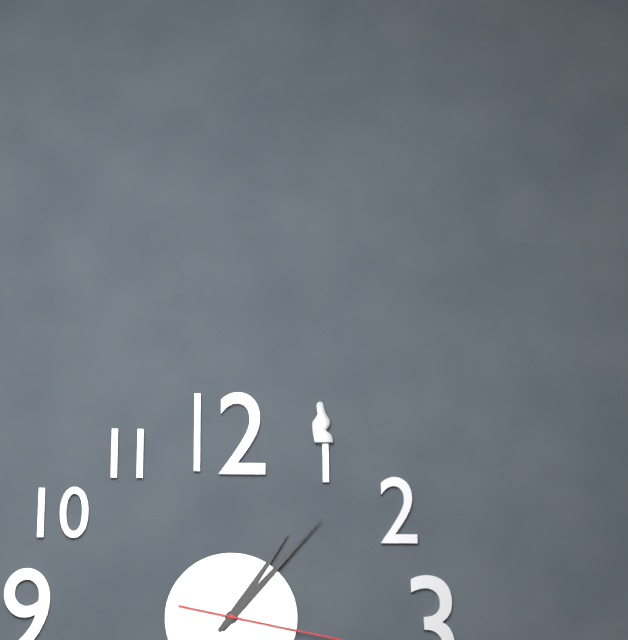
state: 1:07
